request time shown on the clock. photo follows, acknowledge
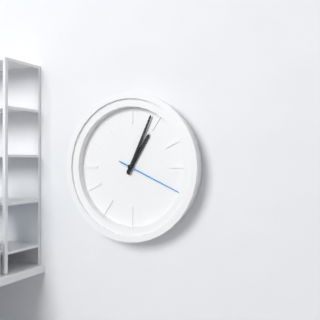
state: 1:04:19
